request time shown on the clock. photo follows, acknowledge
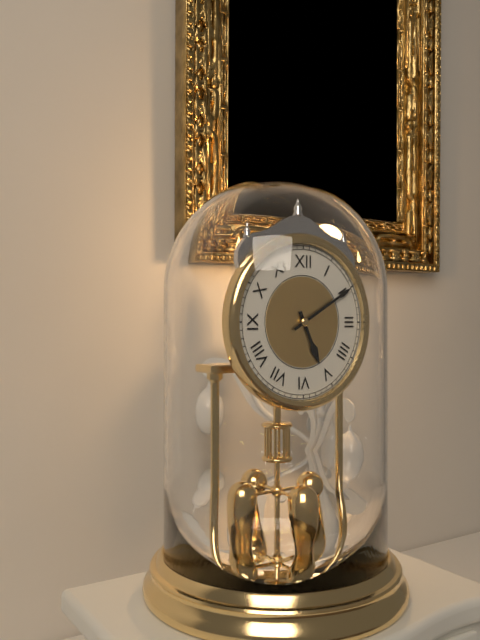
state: 5:10
